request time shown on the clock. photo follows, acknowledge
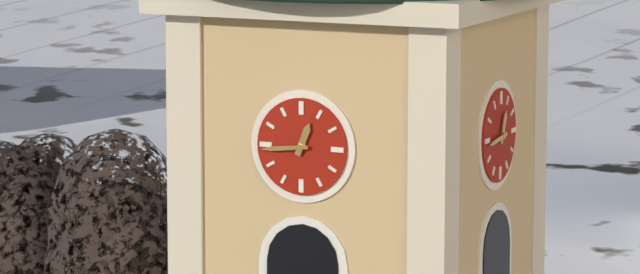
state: 12:44
